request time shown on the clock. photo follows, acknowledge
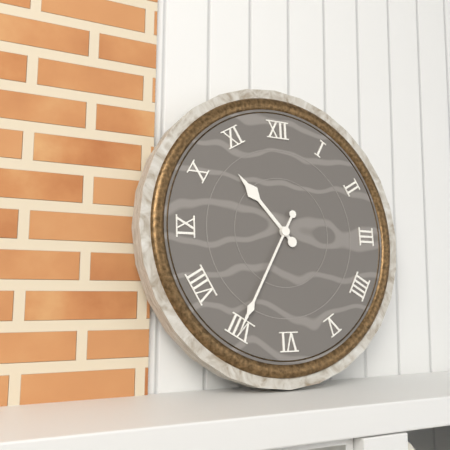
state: 10:35
